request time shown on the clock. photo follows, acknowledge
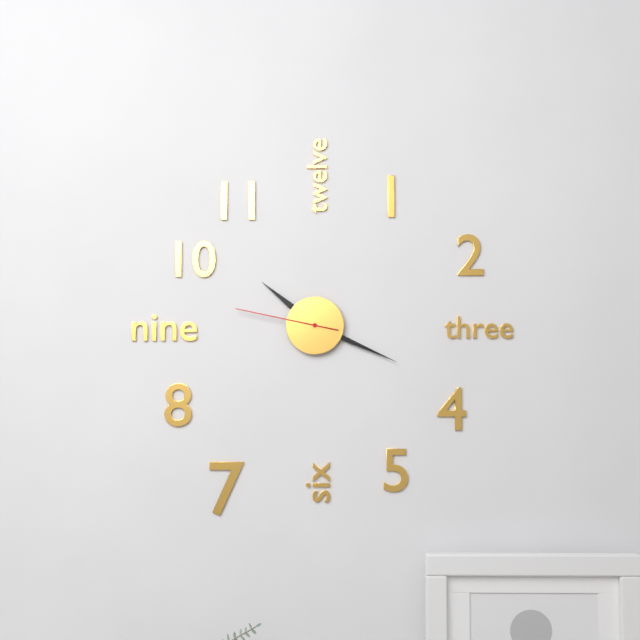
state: 10:19:47
